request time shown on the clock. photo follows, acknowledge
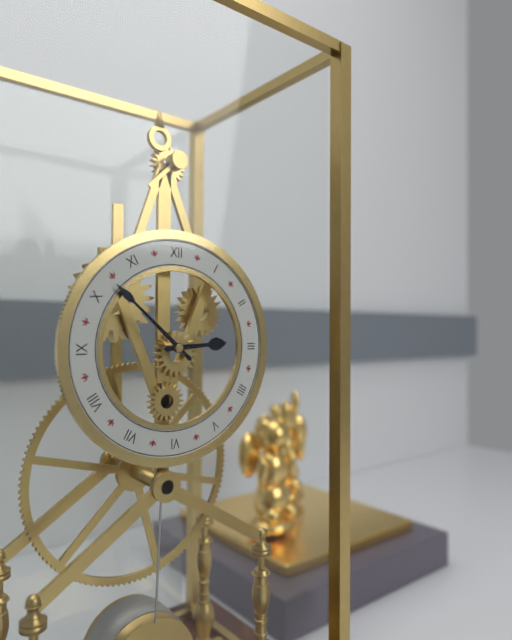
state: 2:52
